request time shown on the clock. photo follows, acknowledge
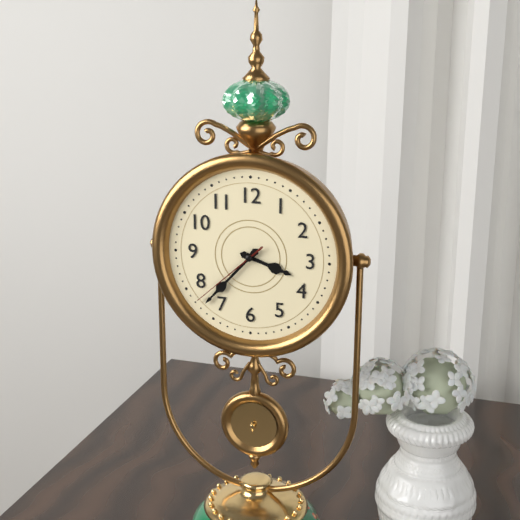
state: 3:37:38
